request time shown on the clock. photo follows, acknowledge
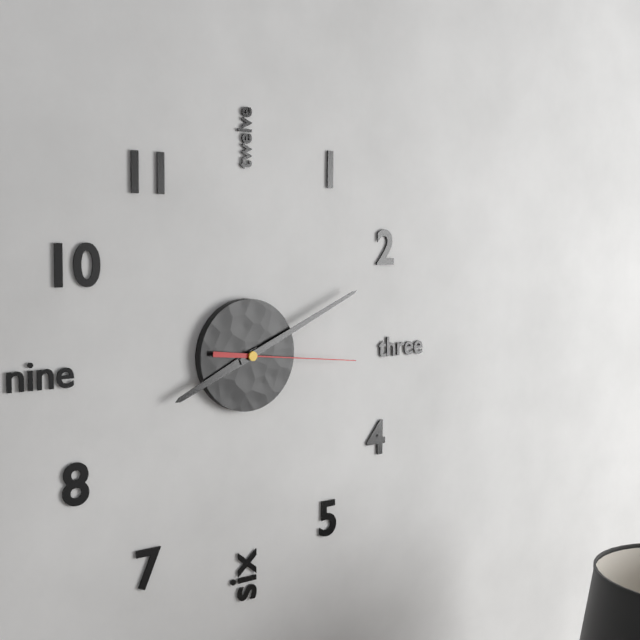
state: 8:11:16
